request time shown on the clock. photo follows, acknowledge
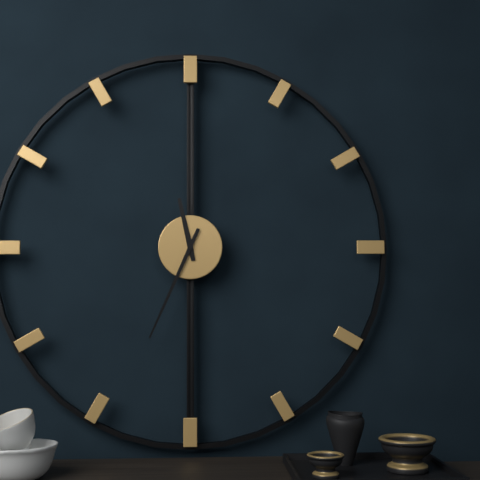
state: 11:34
